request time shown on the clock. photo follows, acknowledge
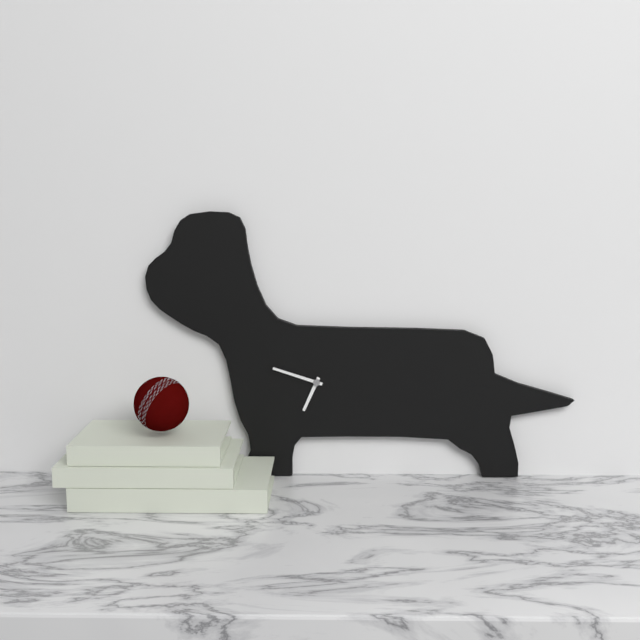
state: 6:48
